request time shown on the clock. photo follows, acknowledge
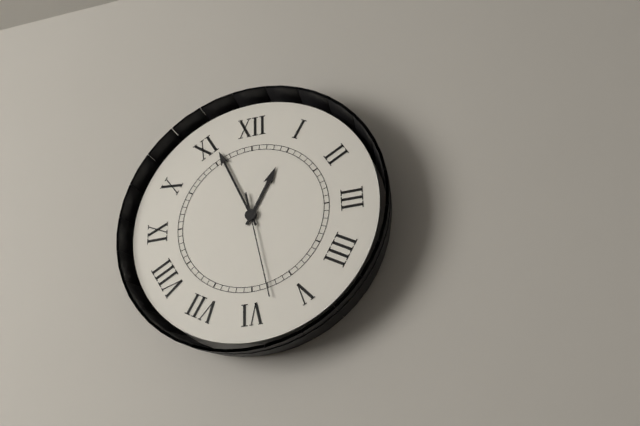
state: 12:56:28
